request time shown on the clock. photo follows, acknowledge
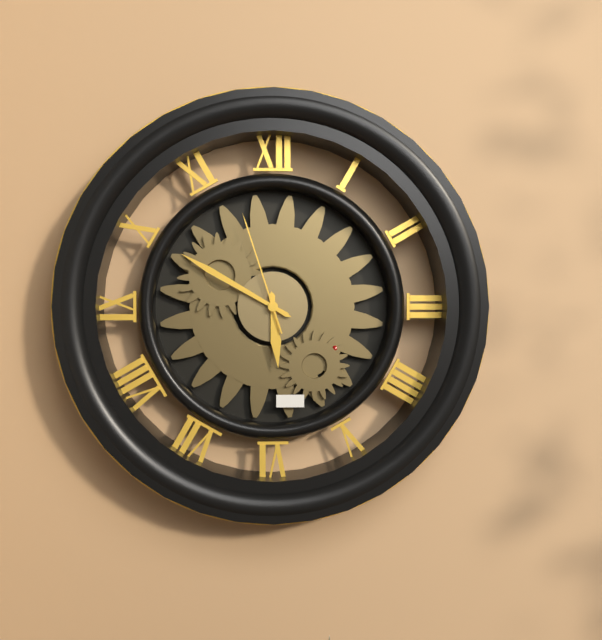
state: 5:50:57
